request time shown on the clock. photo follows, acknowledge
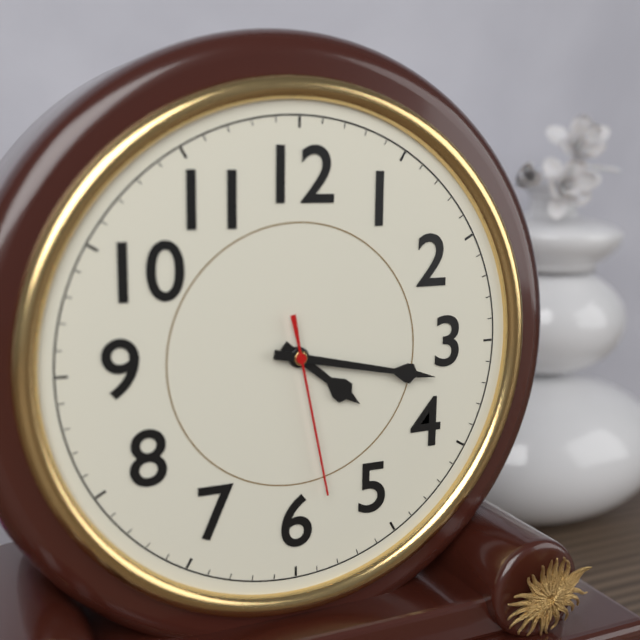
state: 4:17:28
